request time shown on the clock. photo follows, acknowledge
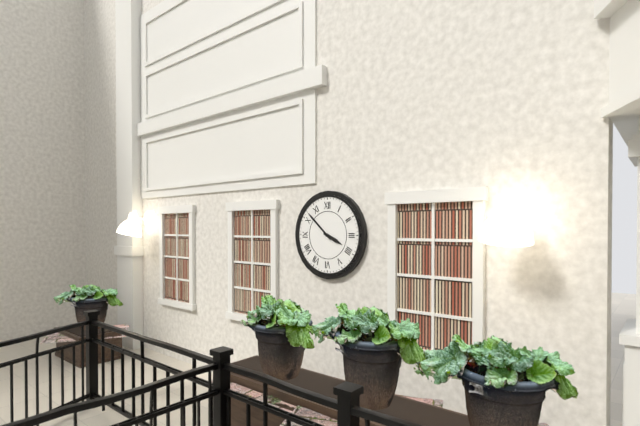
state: 3:52
